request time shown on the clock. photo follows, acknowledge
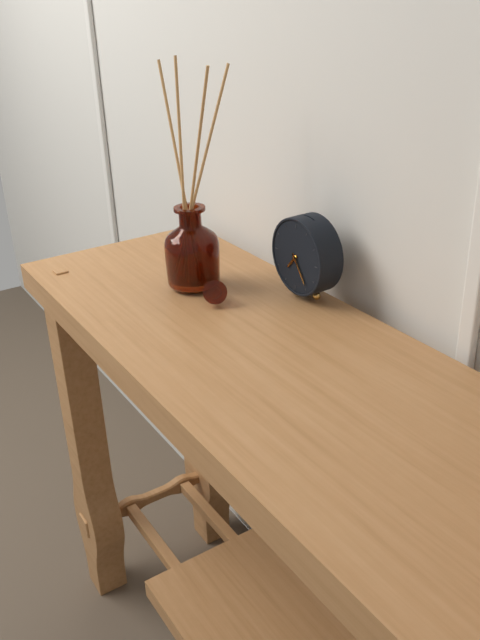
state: 7:24
